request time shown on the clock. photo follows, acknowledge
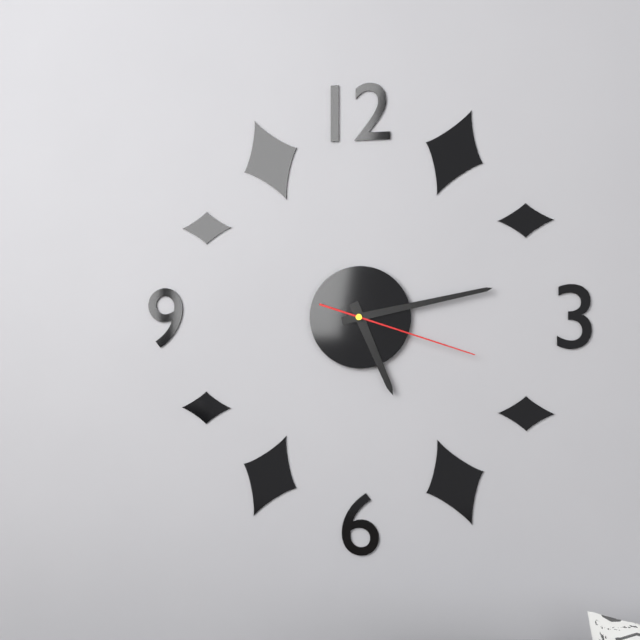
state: 5:13:18
